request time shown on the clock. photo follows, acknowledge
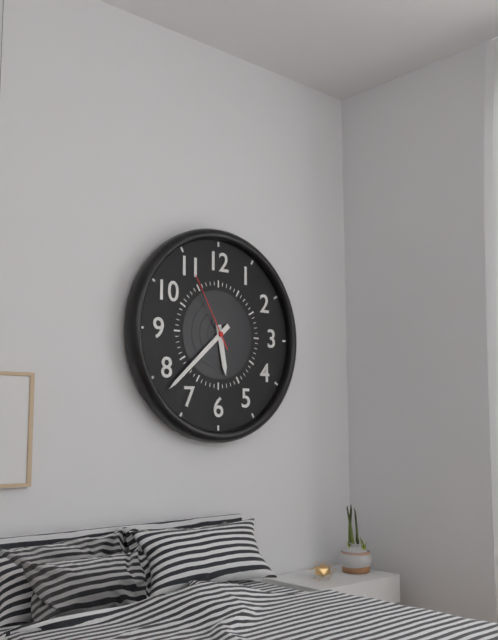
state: 5:38:55
